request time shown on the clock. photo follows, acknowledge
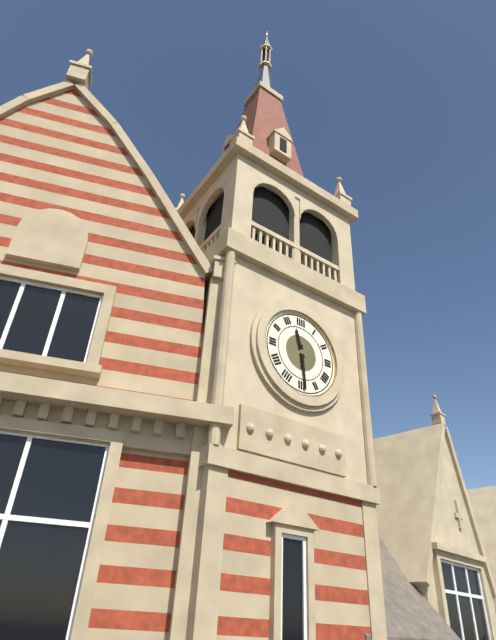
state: 11:29
